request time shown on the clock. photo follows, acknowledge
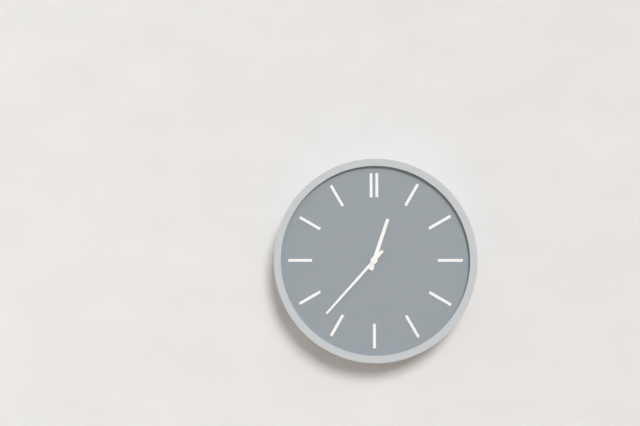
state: 12:37
